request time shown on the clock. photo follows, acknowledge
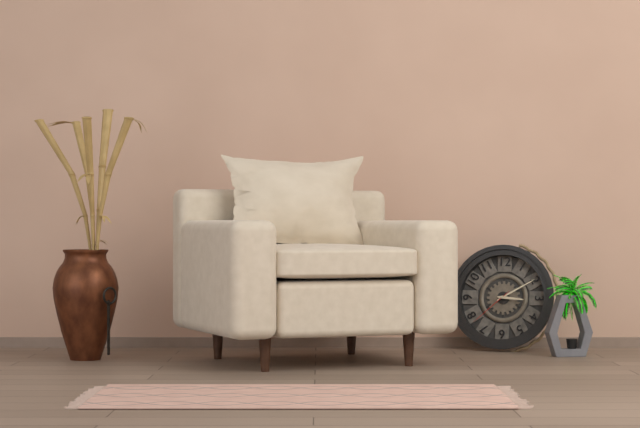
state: 3:10
